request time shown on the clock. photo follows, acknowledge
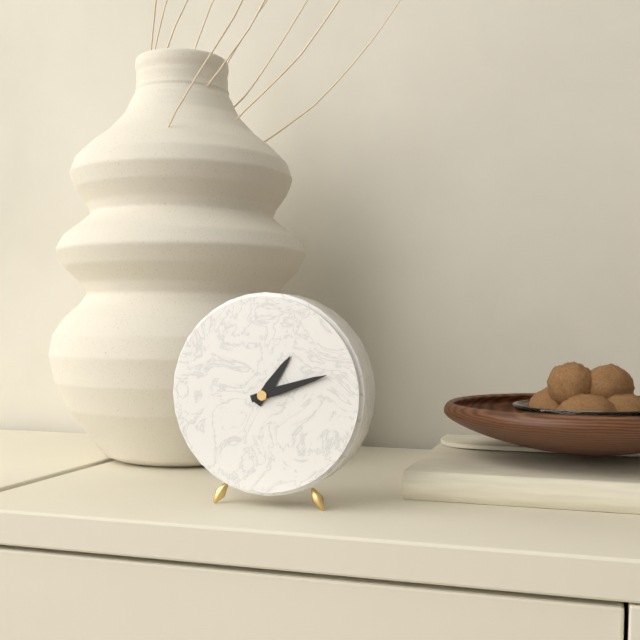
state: 1:12
